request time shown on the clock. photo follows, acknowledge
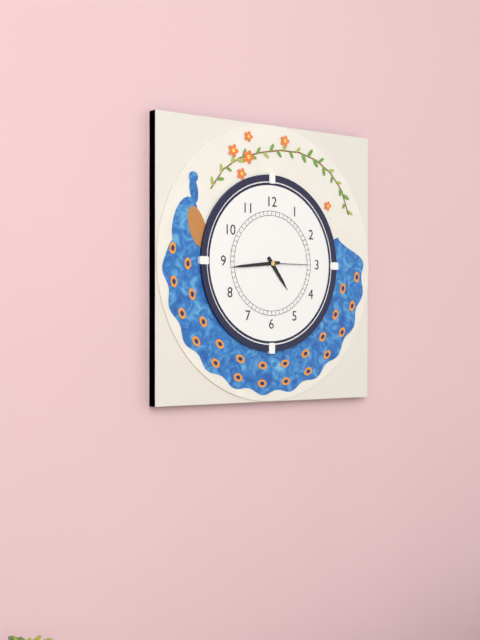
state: 4:44
